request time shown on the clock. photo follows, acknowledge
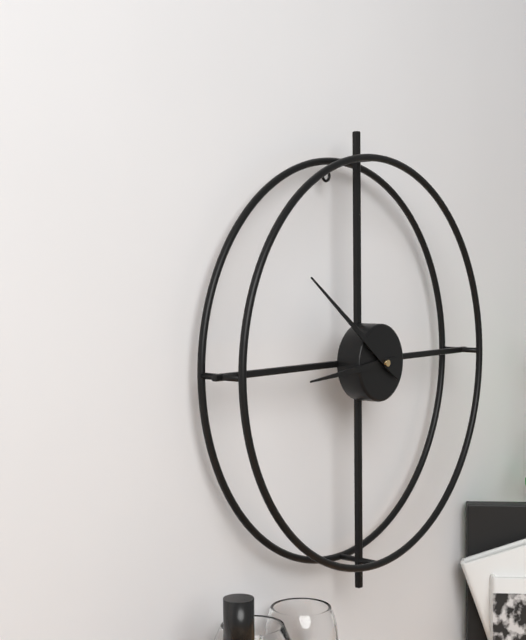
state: 8:51
